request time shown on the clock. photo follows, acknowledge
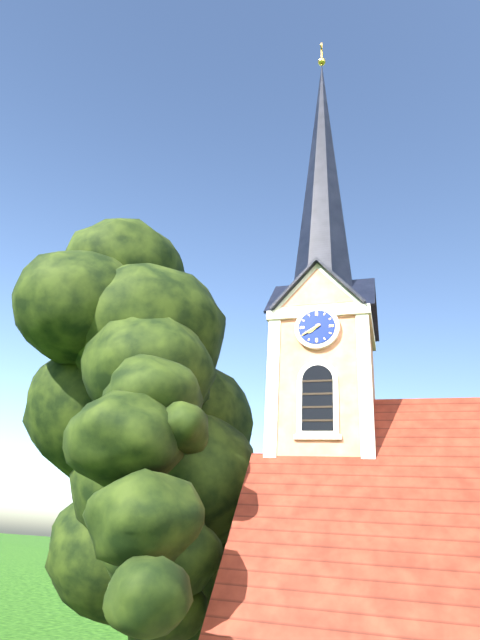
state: 7:40
